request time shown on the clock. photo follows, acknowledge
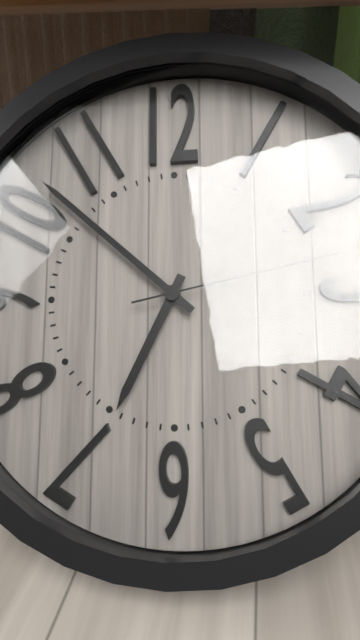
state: 6:52:13
